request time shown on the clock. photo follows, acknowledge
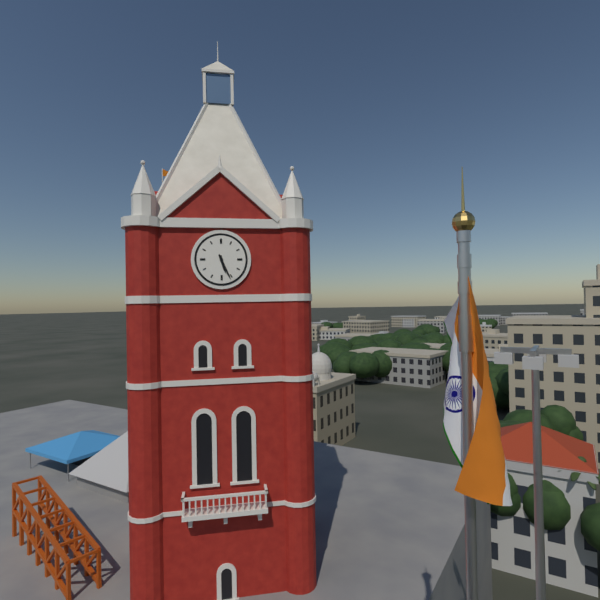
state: 5:26
